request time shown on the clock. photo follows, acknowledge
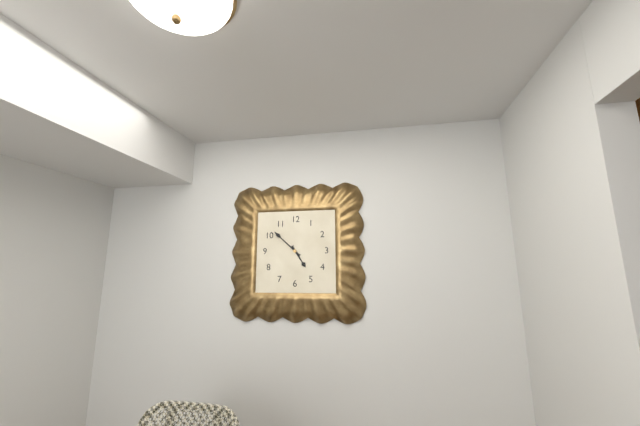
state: 4:52
